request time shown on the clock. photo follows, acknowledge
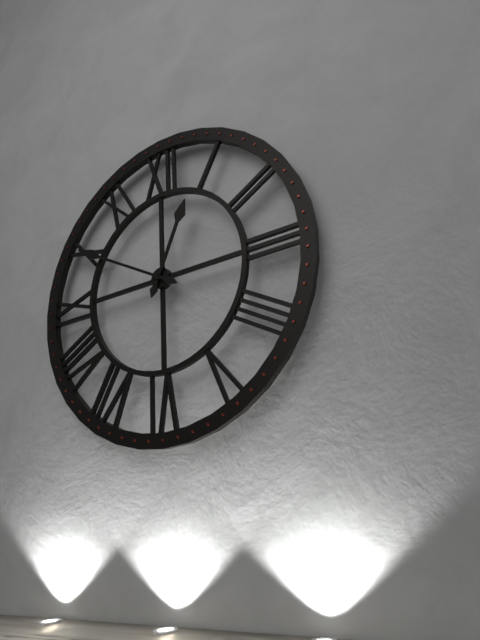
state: 12:50
